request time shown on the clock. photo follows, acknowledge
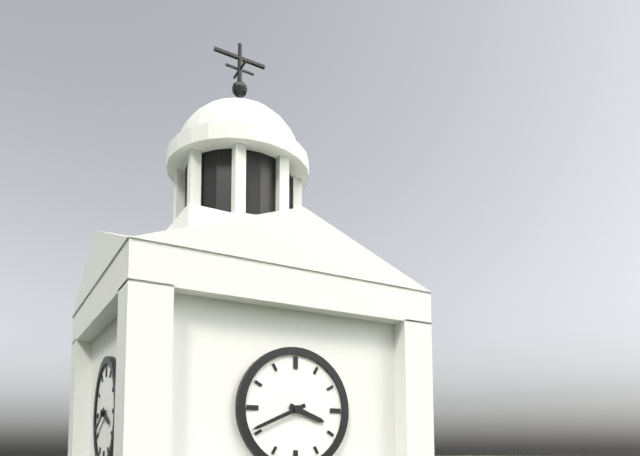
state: 3:41
